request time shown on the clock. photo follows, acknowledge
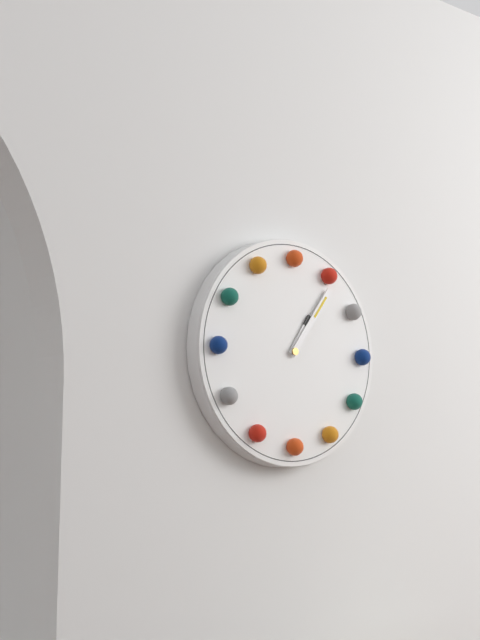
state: 1:06
